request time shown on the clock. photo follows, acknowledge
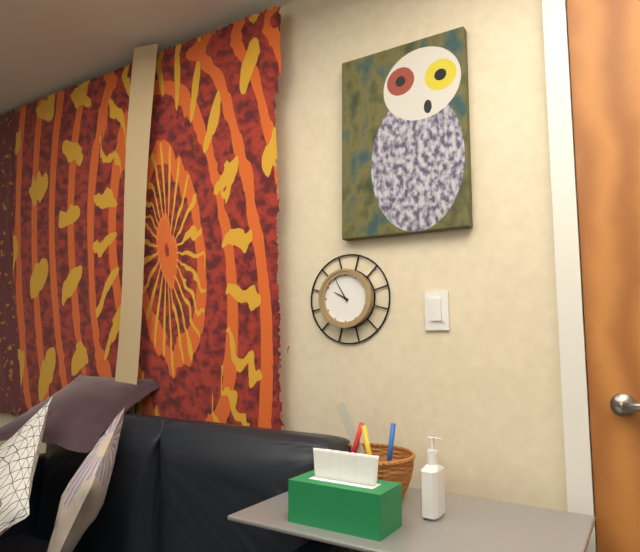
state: 9:55
